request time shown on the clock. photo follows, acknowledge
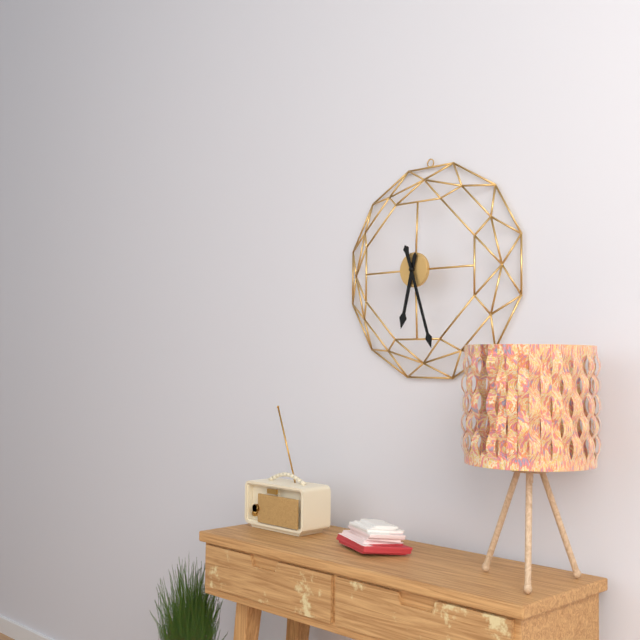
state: 6:27
